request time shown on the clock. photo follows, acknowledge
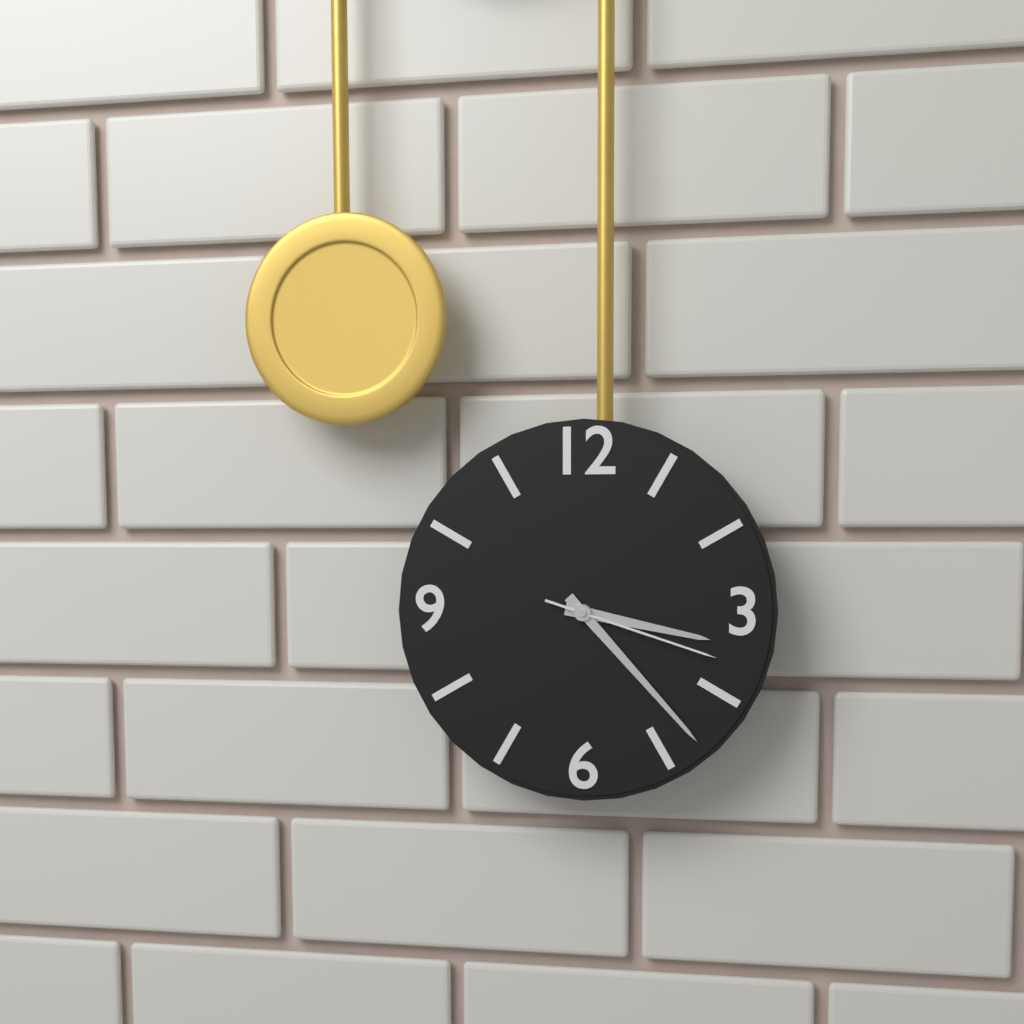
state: 3:23:18
